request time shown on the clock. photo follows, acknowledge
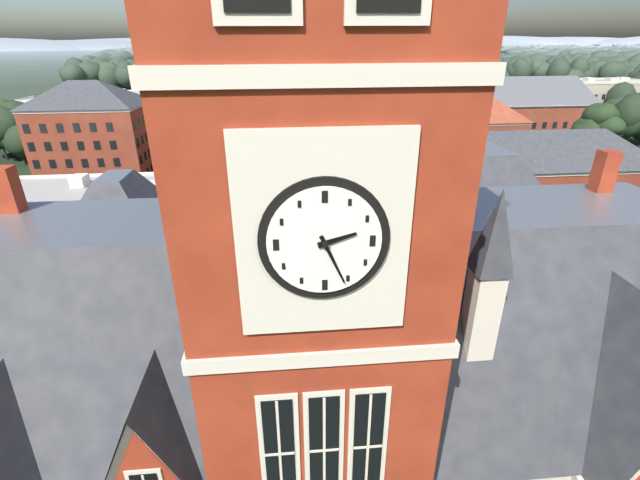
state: 2:26
